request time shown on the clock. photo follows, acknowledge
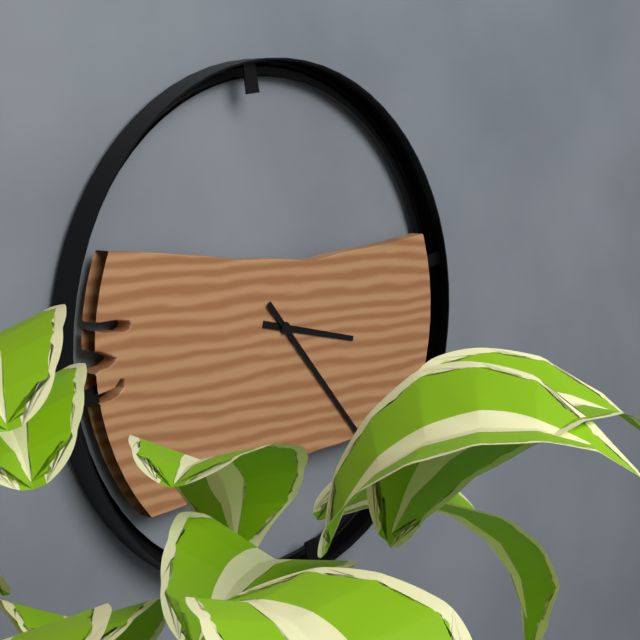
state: 3:23
